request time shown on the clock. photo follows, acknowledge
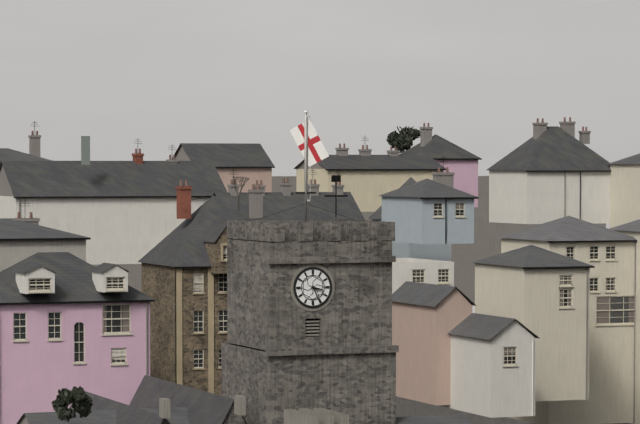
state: 3:26
